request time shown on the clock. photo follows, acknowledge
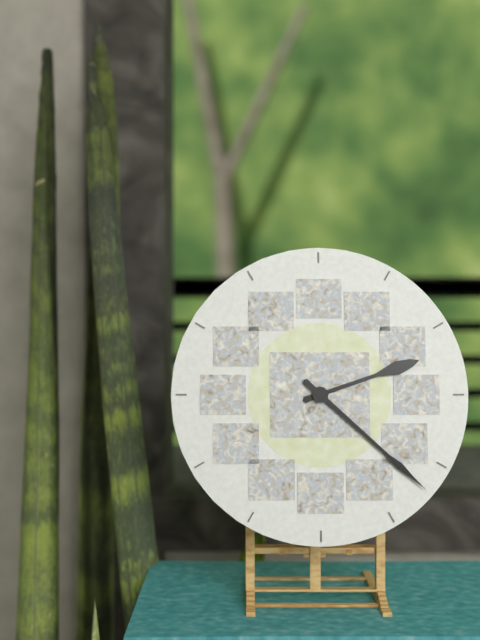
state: 2:22
